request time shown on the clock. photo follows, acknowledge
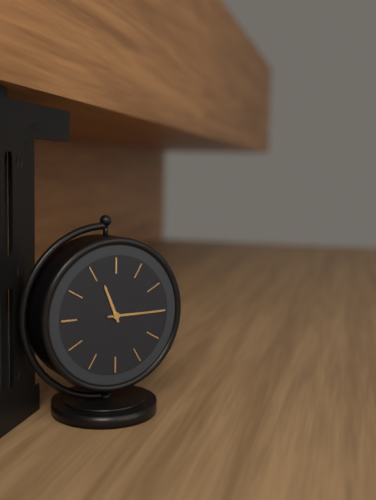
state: 11:15
